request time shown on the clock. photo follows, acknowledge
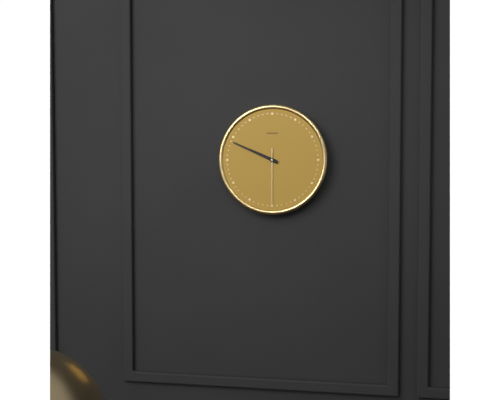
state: 9:49:30
